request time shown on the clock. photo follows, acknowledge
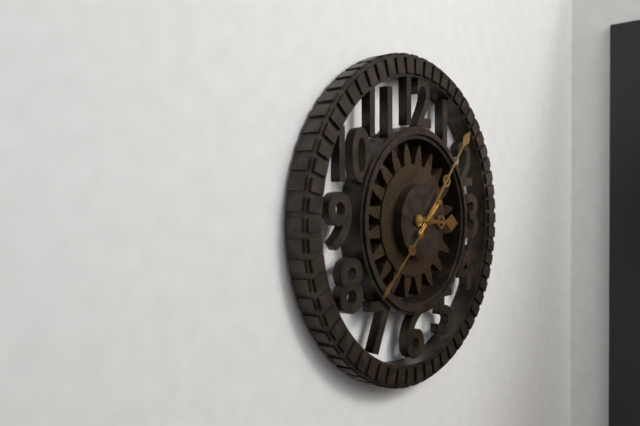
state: 3:07:38
